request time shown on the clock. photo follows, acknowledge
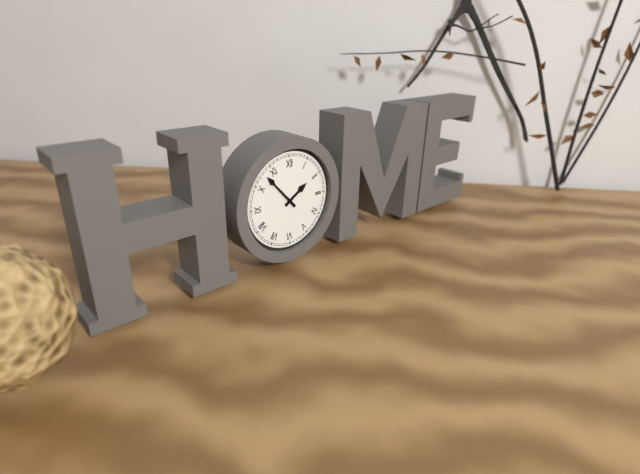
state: 1:53
